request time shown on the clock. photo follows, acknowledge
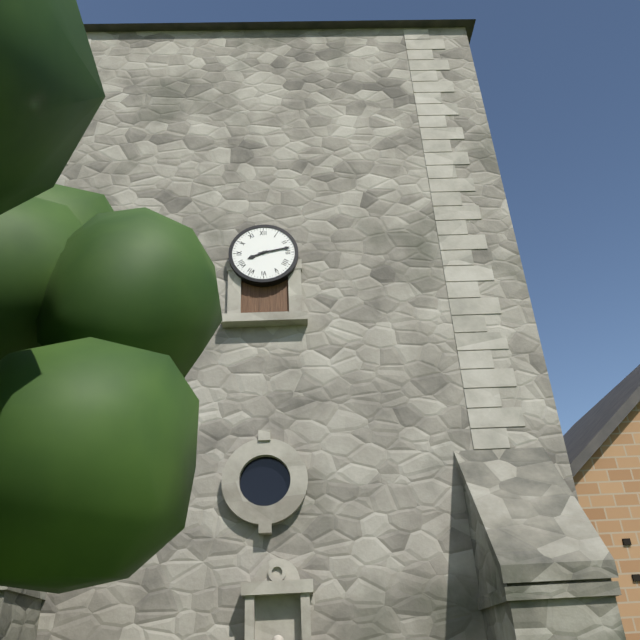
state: 8:13
